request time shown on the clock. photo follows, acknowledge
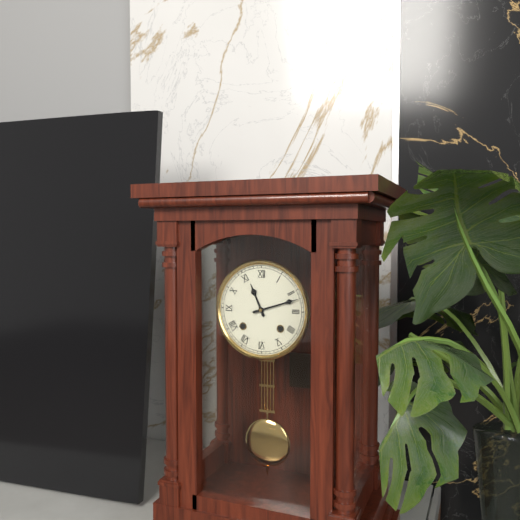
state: 11:12
